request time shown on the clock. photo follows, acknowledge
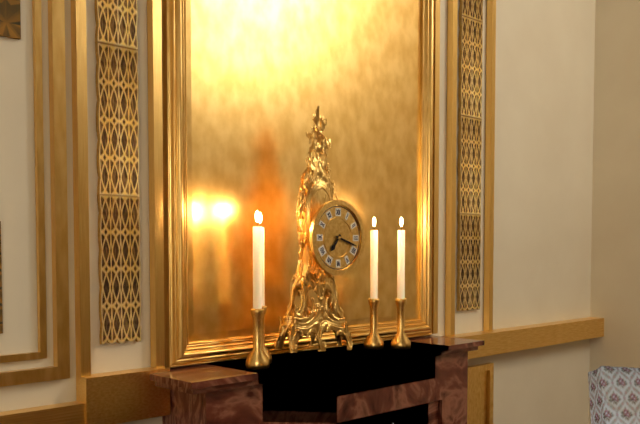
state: 7:18
